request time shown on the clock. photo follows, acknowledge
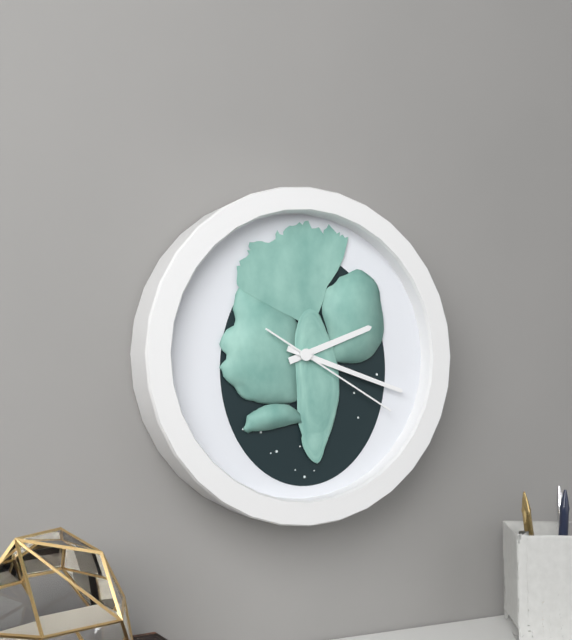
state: 2:18:20
